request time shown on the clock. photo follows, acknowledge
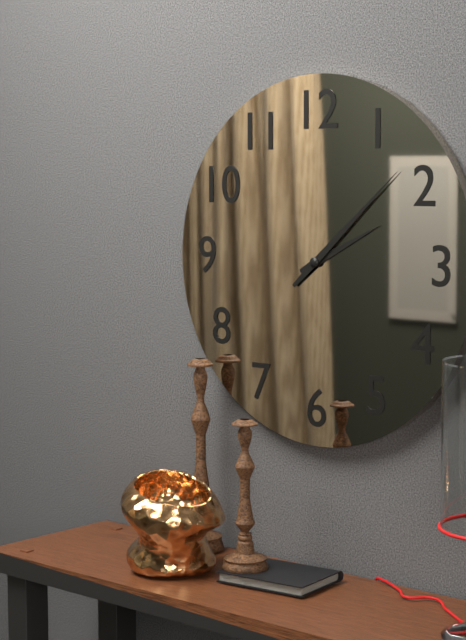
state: 2:08
